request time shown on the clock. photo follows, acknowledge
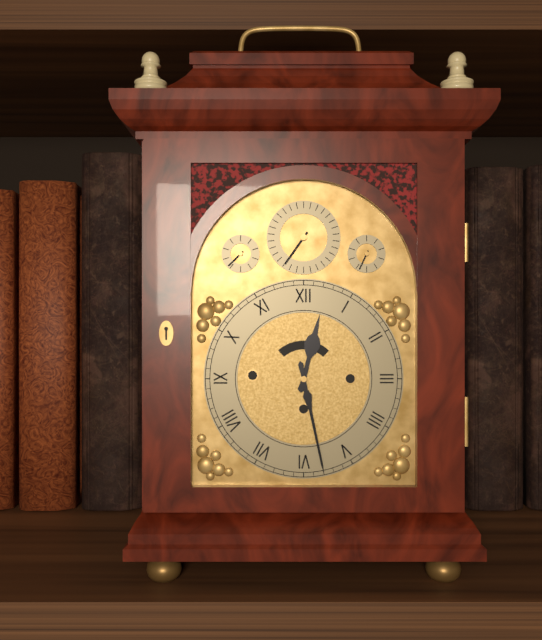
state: 12:28
